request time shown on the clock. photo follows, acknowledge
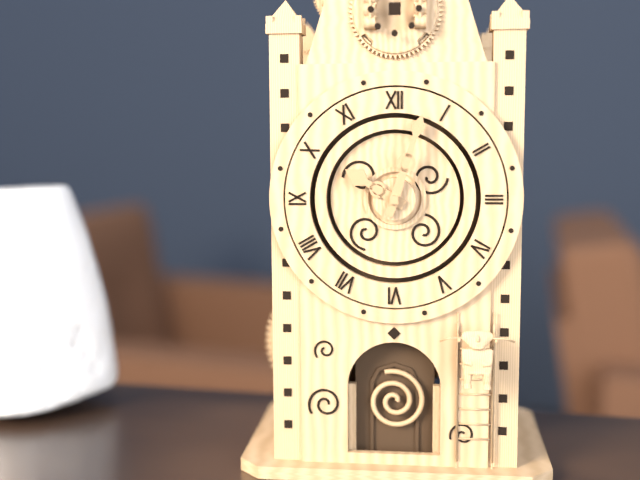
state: 10:03
